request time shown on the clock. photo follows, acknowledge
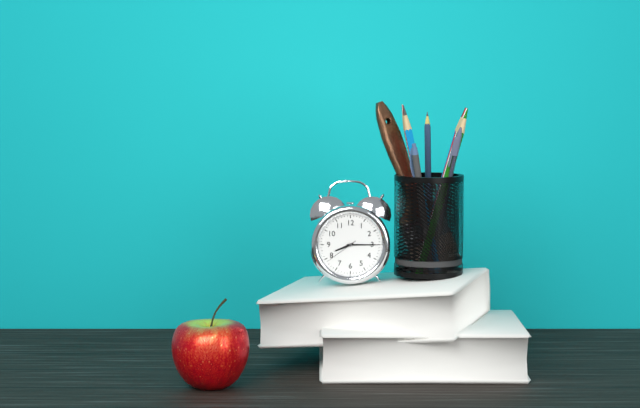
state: 8:15
